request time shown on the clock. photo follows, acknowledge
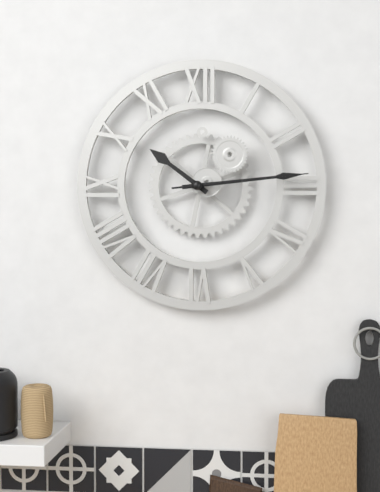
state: 10:14:14
